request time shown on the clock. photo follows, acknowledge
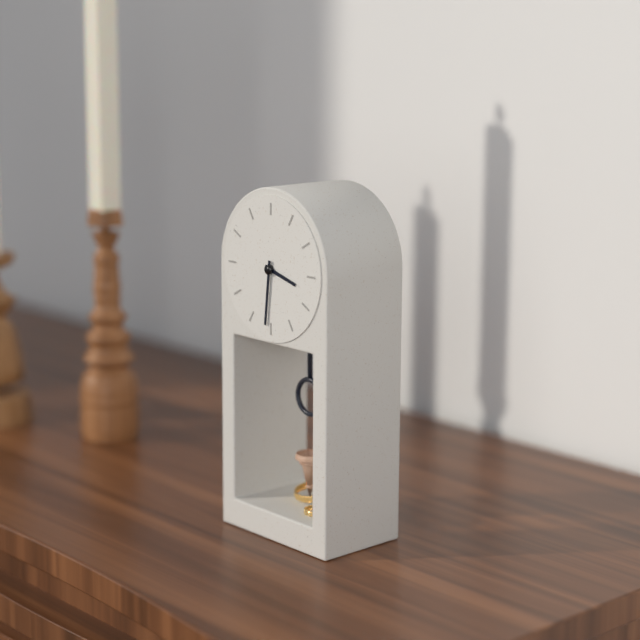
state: 3:31
